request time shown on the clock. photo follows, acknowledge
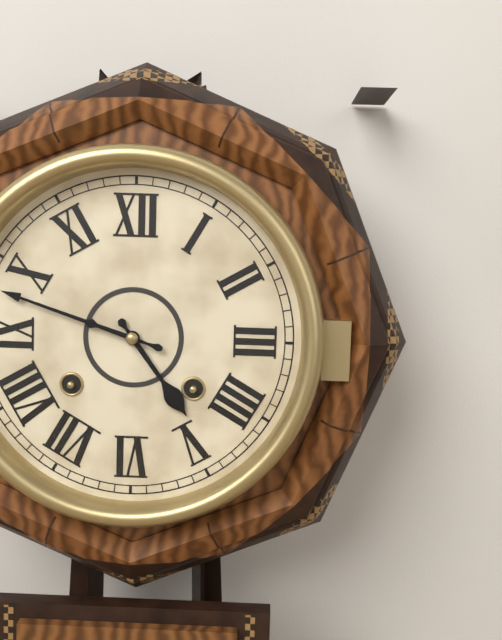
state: 4:48
